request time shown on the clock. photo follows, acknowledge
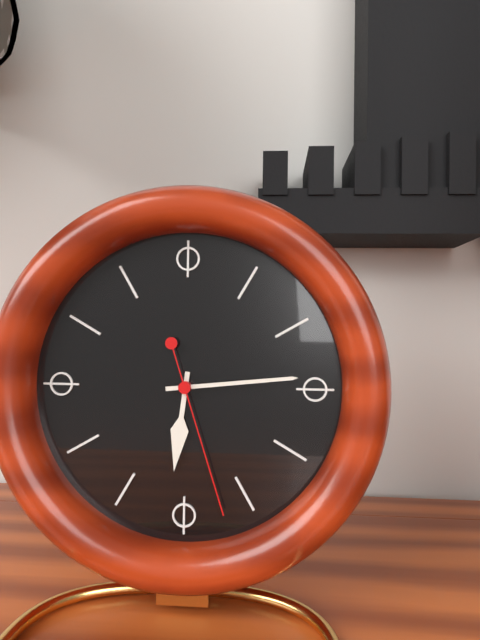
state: 6:14:27
